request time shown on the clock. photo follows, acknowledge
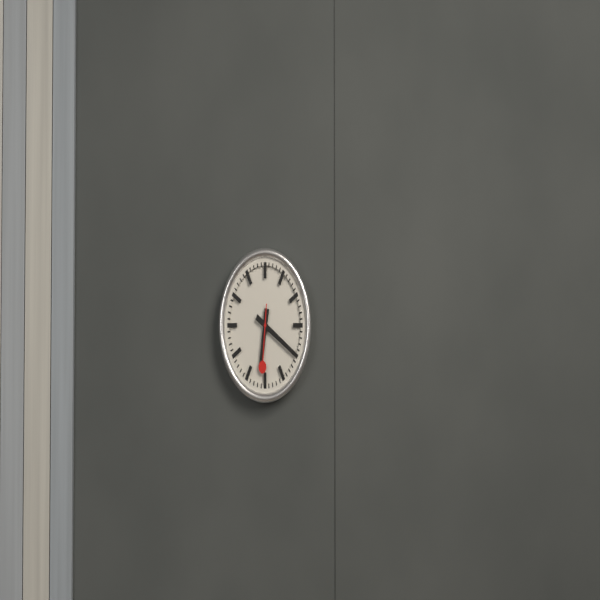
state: 6:20:31
